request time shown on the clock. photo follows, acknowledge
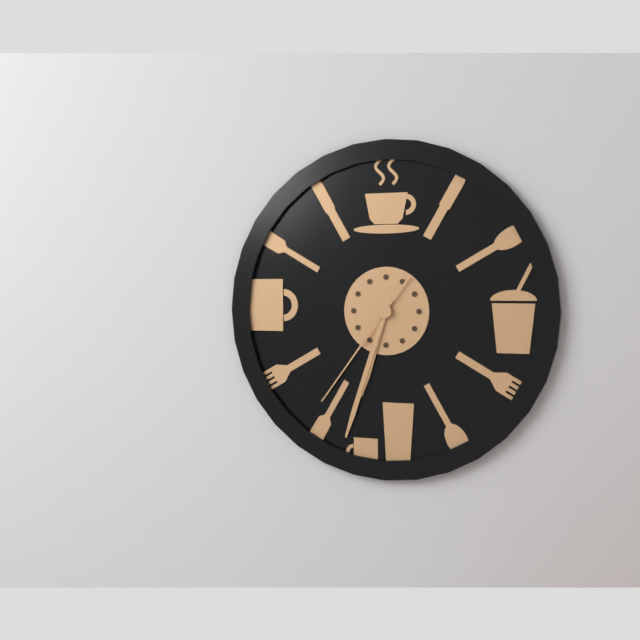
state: 6:33:36
